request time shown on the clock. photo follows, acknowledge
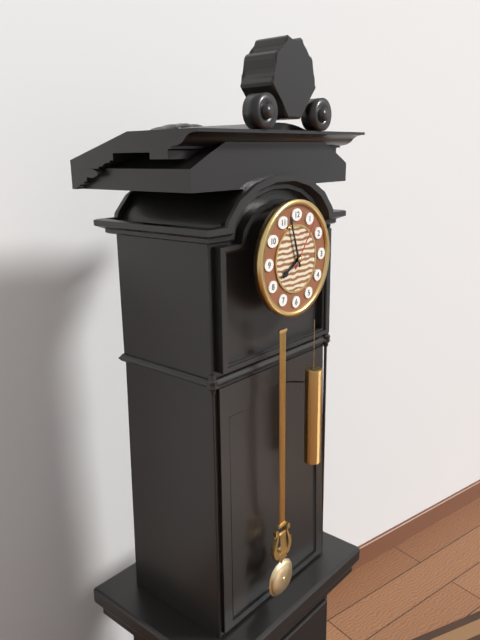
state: 7:57:06
